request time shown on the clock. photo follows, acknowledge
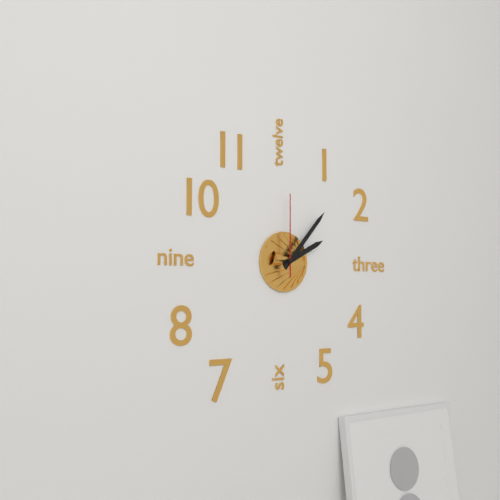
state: 2:07:00
